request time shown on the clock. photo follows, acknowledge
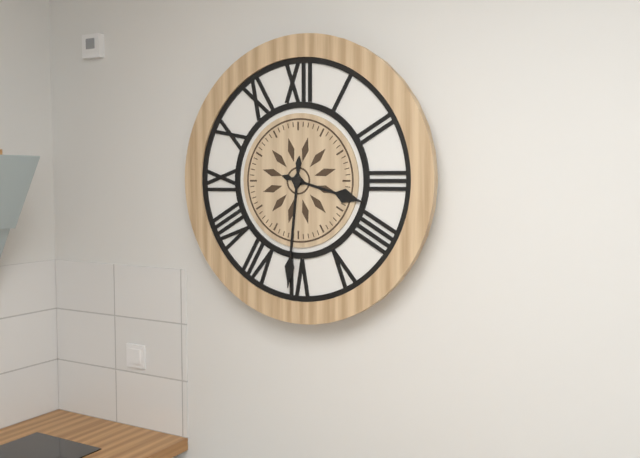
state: 3:31
